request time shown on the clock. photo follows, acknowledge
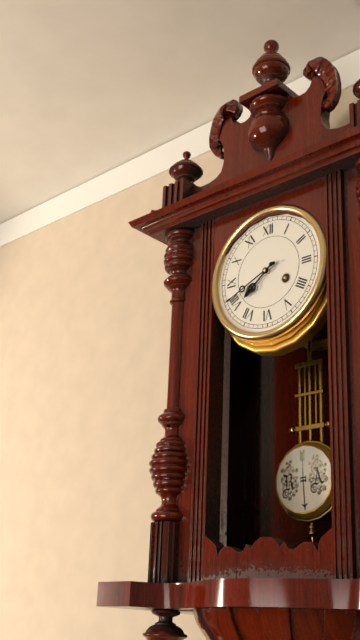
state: 7:41
